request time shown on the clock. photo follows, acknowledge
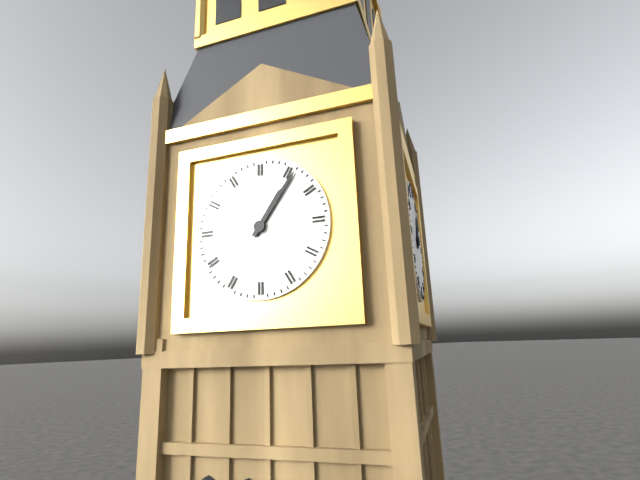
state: 1:06
